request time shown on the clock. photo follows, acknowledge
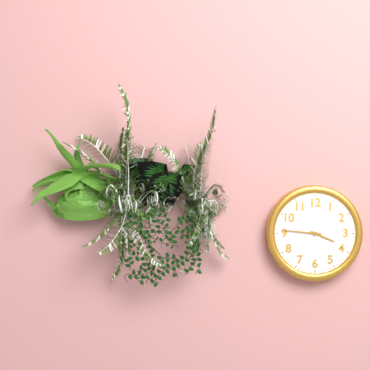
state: 3:46
